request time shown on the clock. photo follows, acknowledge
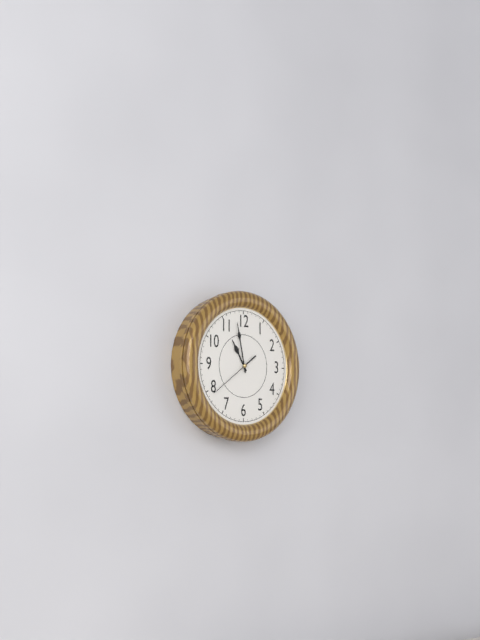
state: 10:58:39
